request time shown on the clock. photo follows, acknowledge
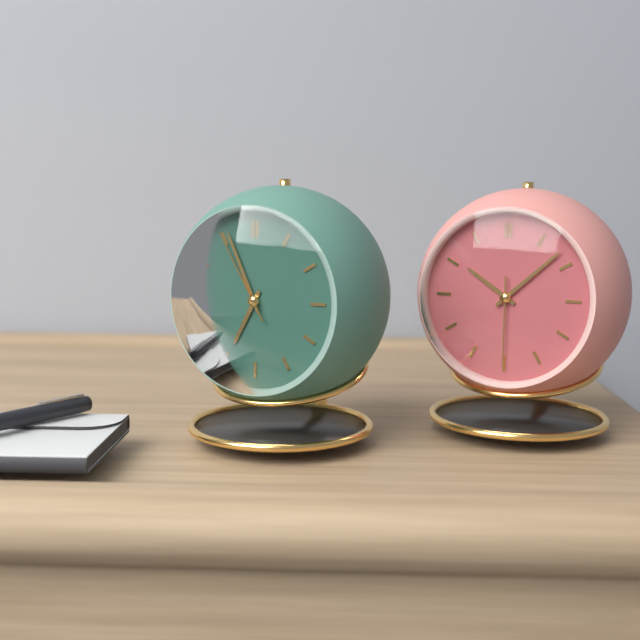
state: 6:56:55
